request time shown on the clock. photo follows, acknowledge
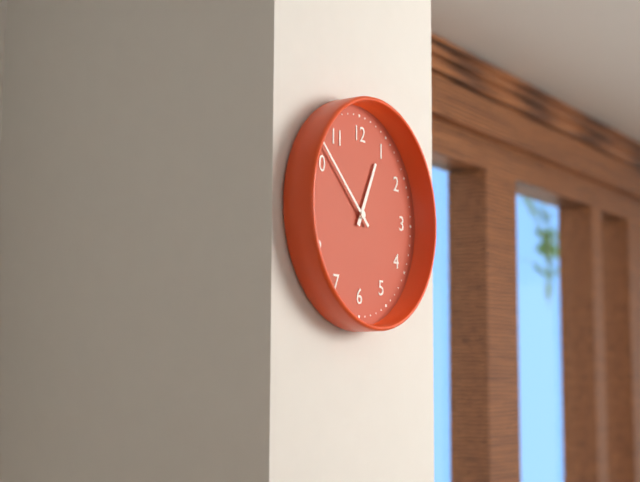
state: 12:52
